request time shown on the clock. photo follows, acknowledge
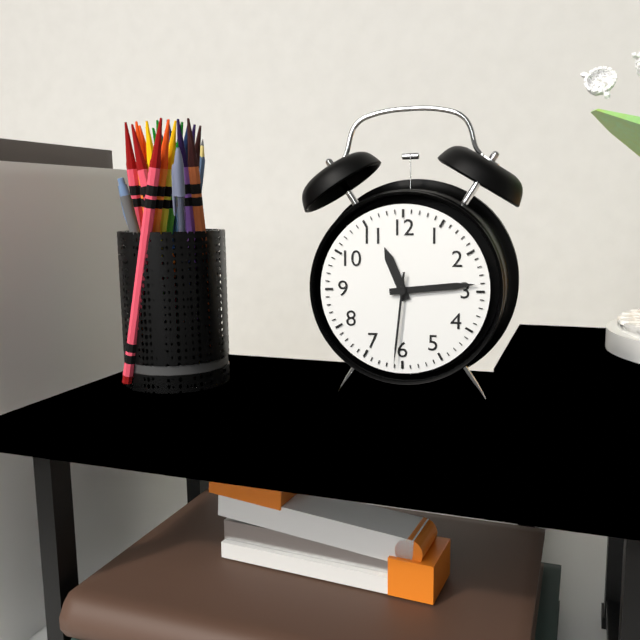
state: 11:14:31
